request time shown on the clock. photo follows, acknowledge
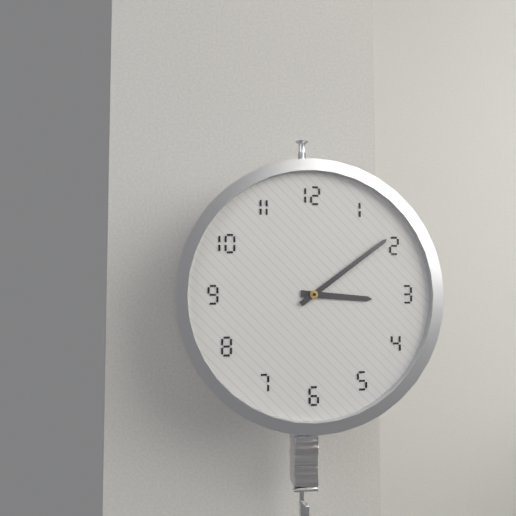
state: 3:09
